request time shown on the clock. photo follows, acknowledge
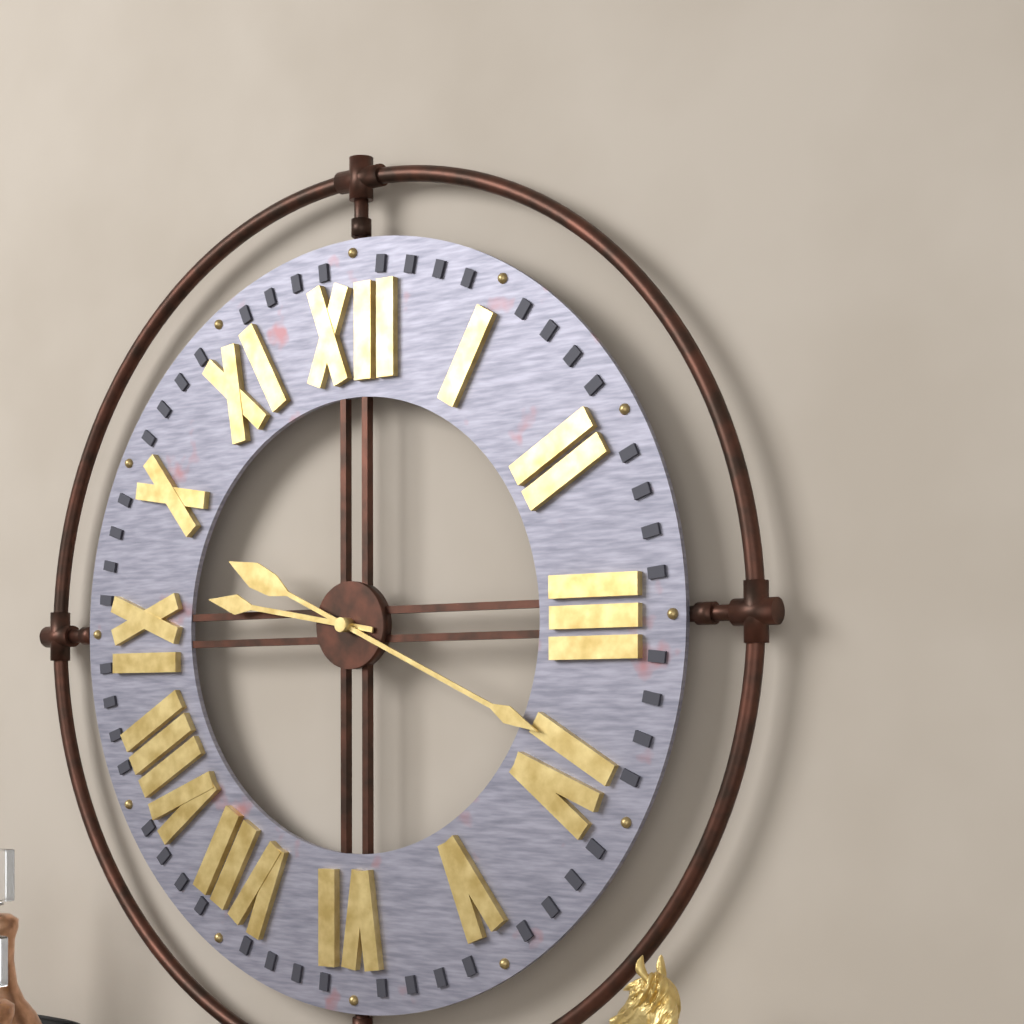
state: 9:19
